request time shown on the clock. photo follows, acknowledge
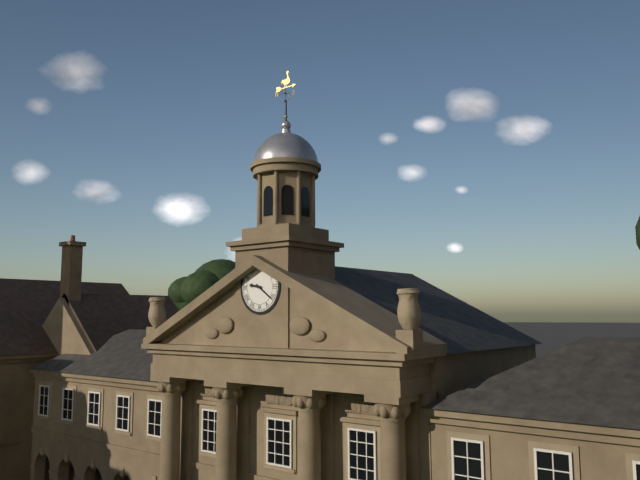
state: 9:21
